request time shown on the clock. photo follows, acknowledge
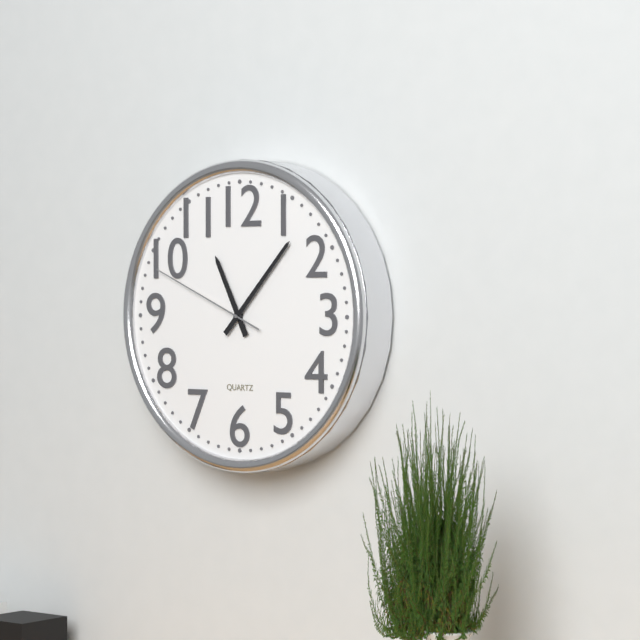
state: 11:07:49
